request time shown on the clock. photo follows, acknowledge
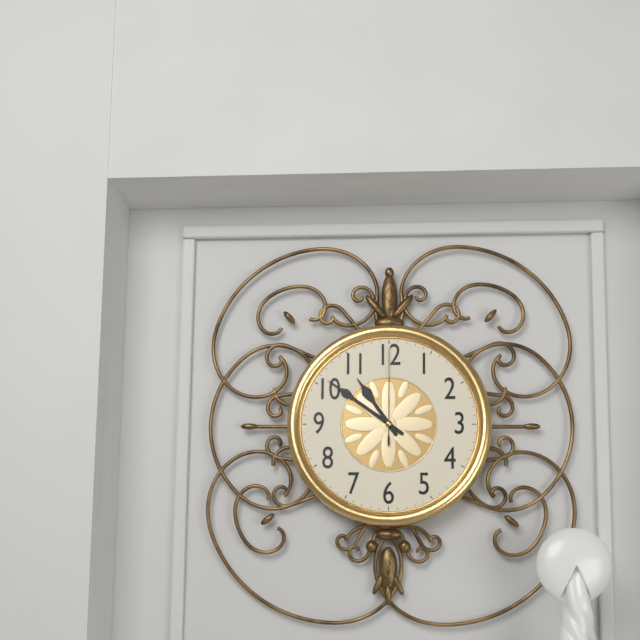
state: 10:51:00
